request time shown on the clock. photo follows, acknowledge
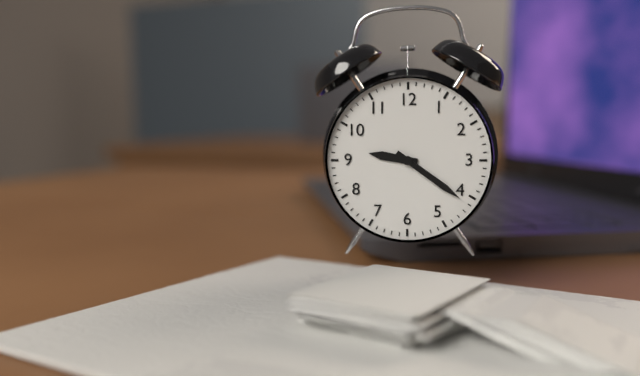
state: 9:21
